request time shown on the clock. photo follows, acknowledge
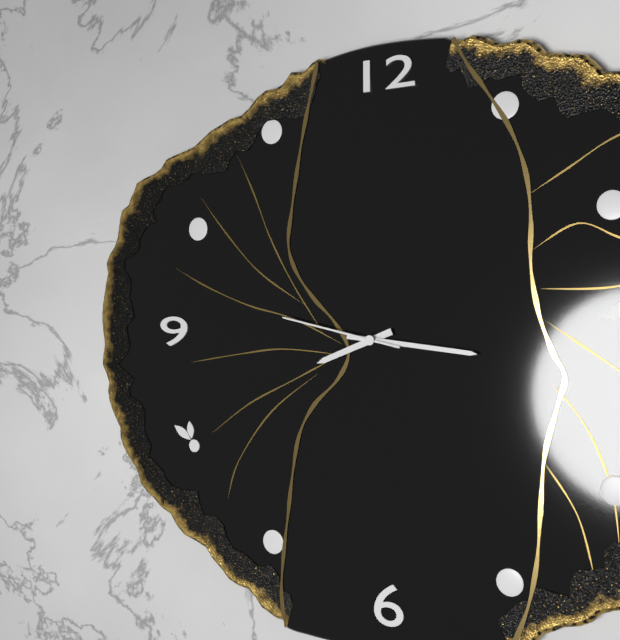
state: 8:16:47
